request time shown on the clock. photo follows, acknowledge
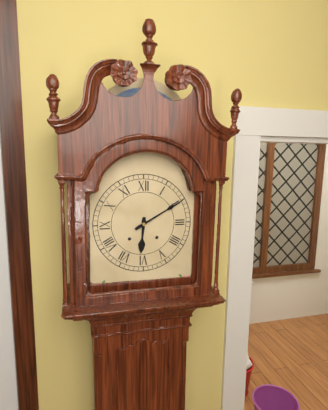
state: 6:10
